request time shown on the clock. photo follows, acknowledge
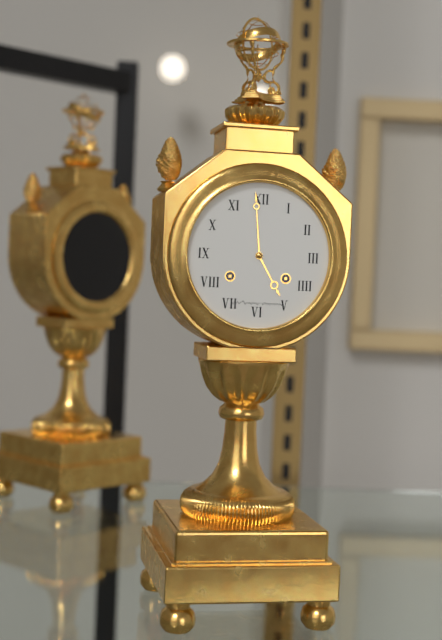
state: 4:59
